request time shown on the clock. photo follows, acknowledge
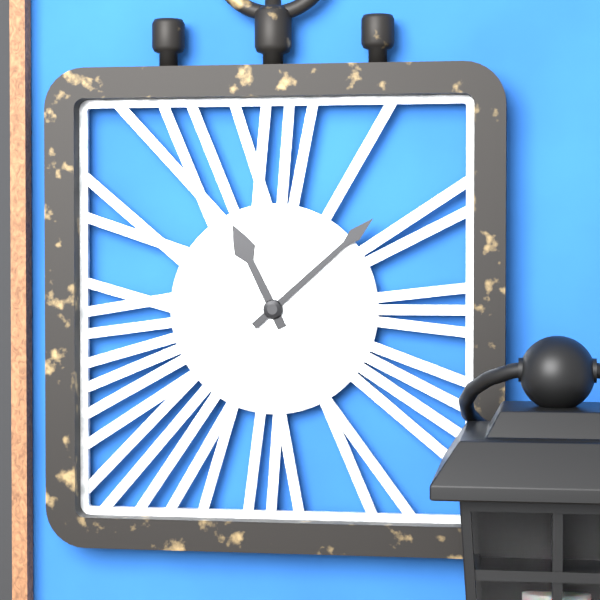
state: 11:08
